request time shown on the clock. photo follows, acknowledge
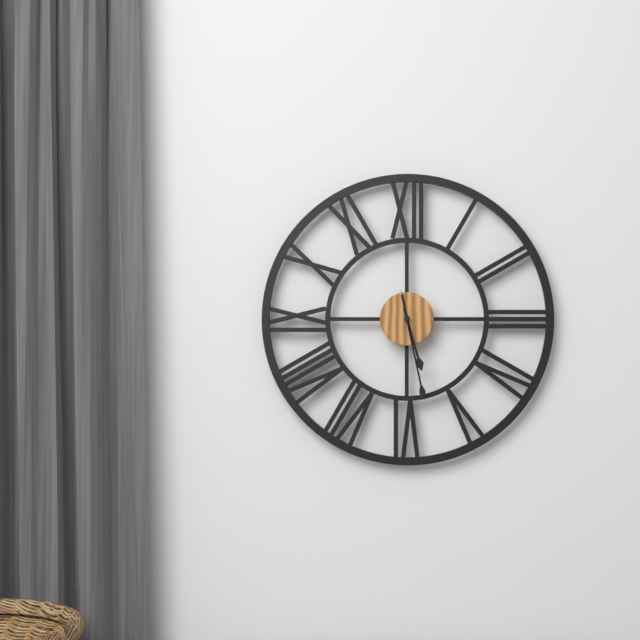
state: 5:28
